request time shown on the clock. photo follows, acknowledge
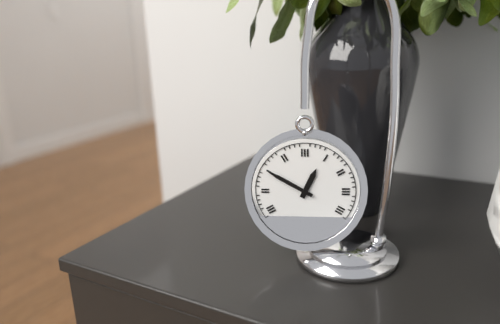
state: 12:50
